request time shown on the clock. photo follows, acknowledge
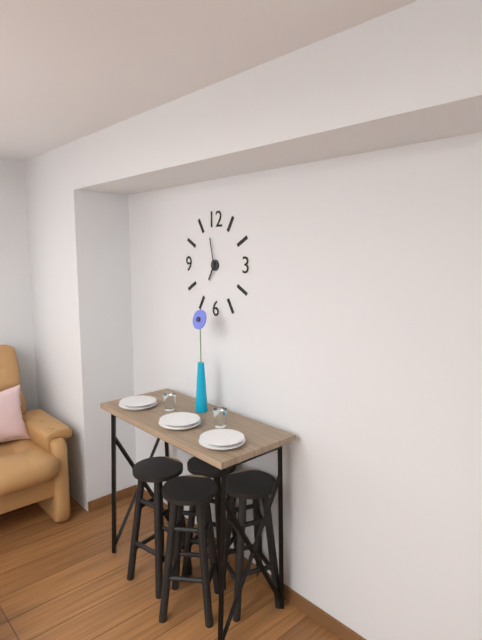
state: 6:58
